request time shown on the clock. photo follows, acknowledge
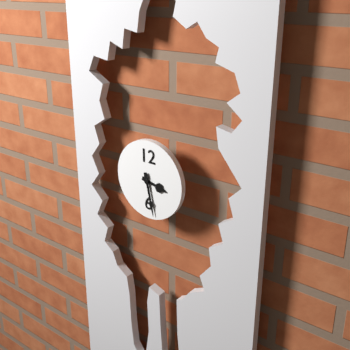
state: 3:28
